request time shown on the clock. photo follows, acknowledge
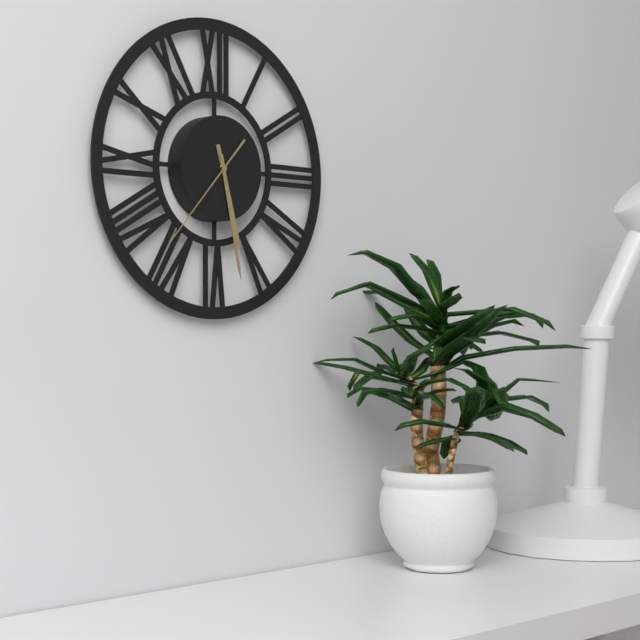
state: 5:28:37
